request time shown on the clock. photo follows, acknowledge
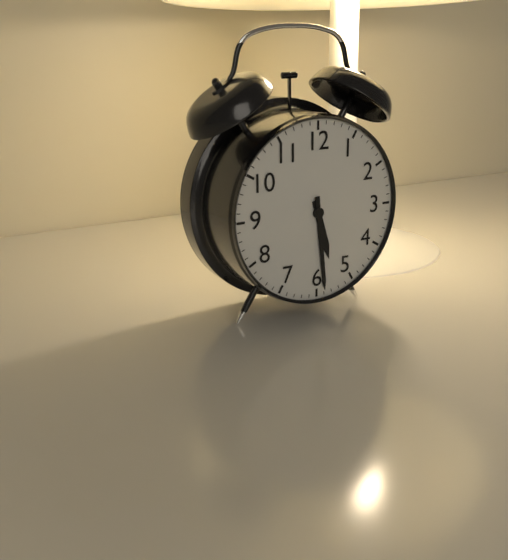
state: 5:29
